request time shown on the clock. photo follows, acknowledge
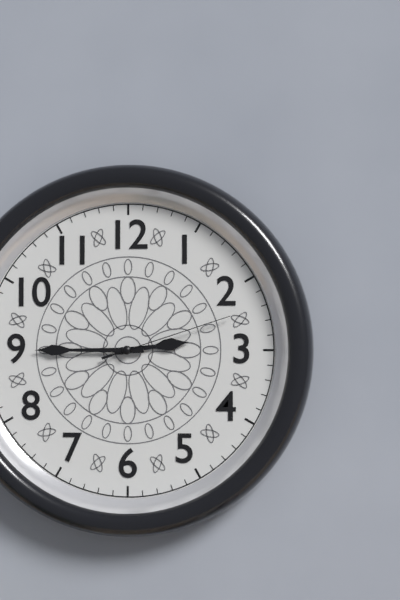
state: 2:45:12
